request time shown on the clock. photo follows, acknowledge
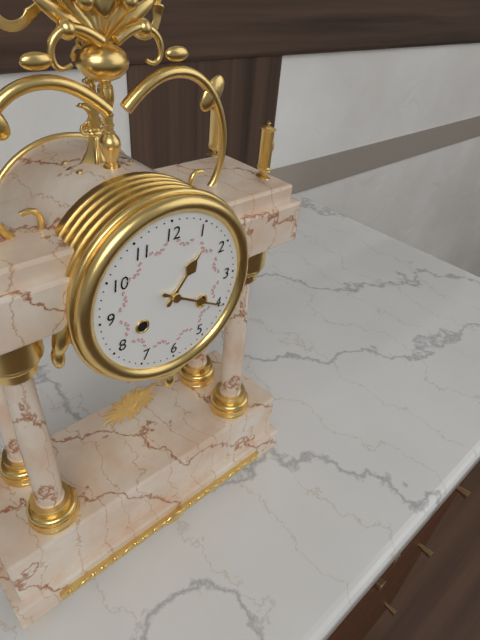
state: 1:20
